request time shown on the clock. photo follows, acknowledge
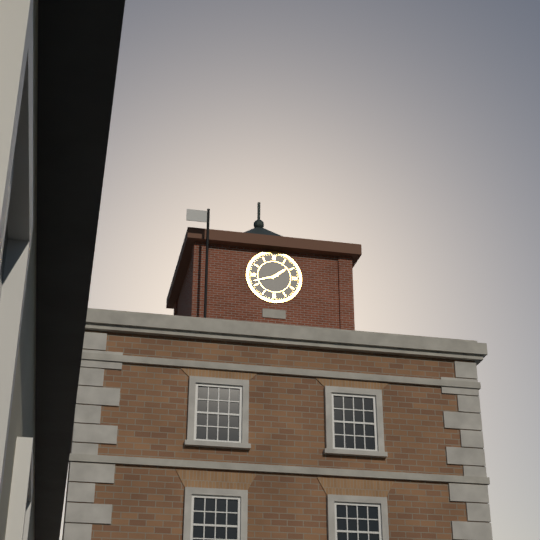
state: 1:42
